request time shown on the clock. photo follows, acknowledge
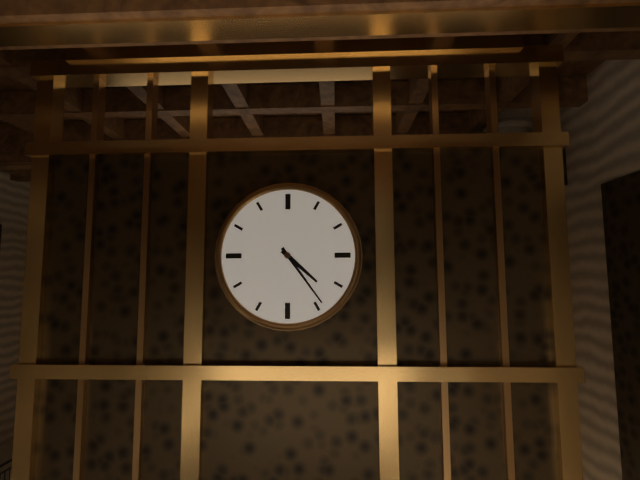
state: 4:24
